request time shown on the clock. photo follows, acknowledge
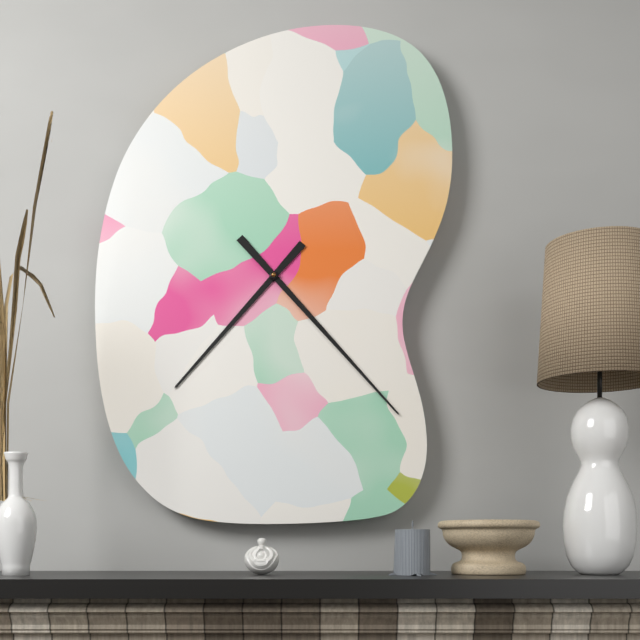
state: 7:23
